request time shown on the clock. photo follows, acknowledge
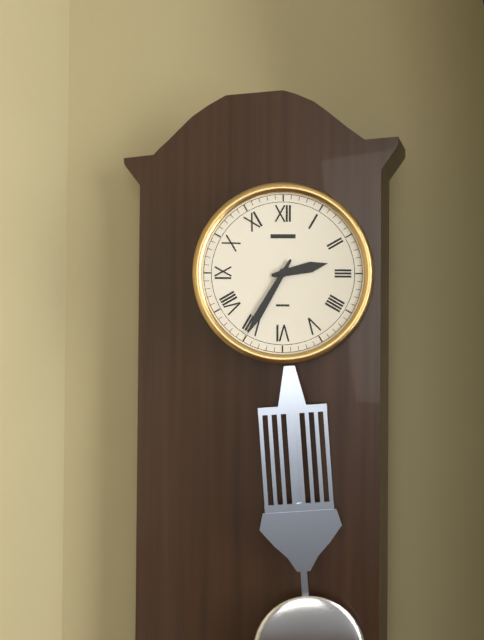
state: 2:35
